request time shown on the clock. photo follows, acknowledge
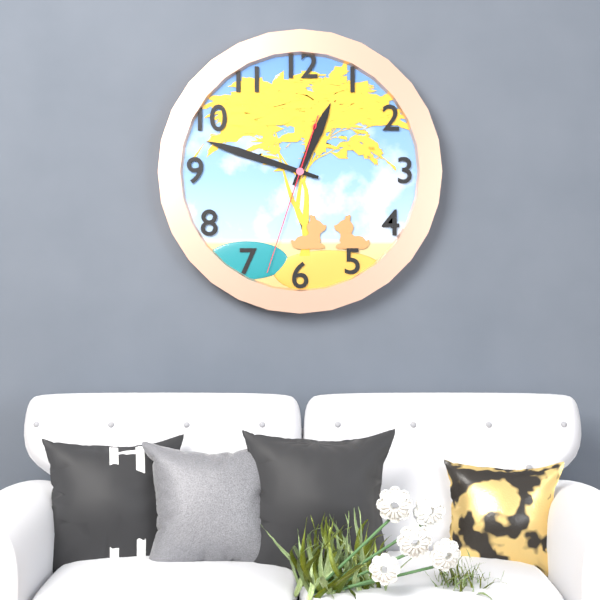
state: 12:48:33
